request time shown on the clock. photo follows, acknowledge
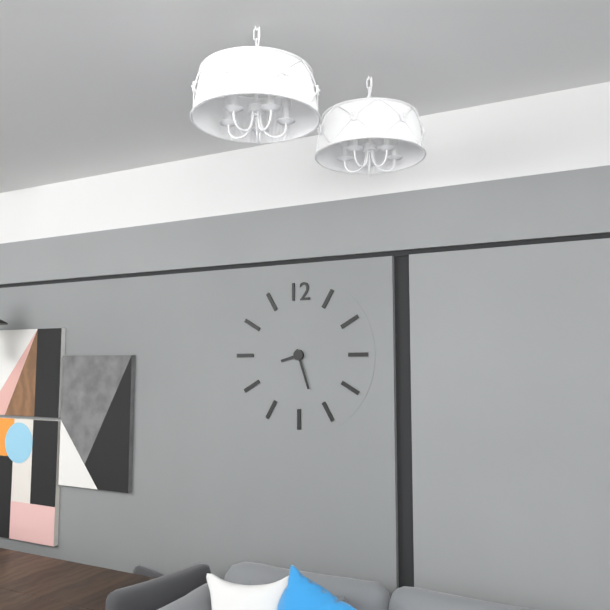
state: 8:27
